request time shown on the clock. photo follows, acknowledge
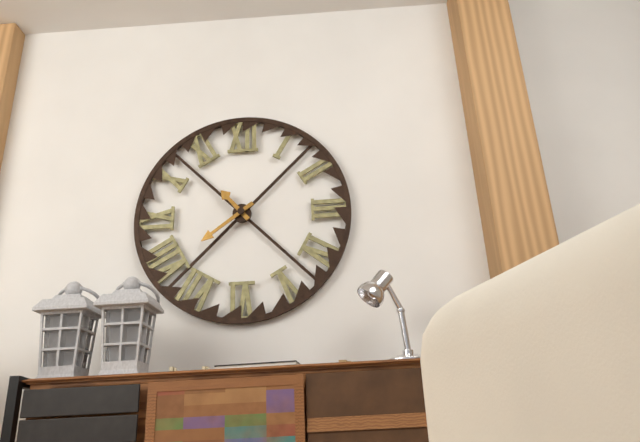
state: 10:39
